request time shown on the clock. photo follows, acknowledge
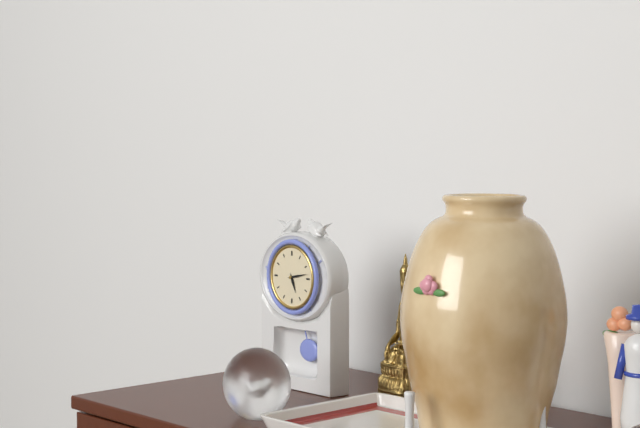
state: 5:13
